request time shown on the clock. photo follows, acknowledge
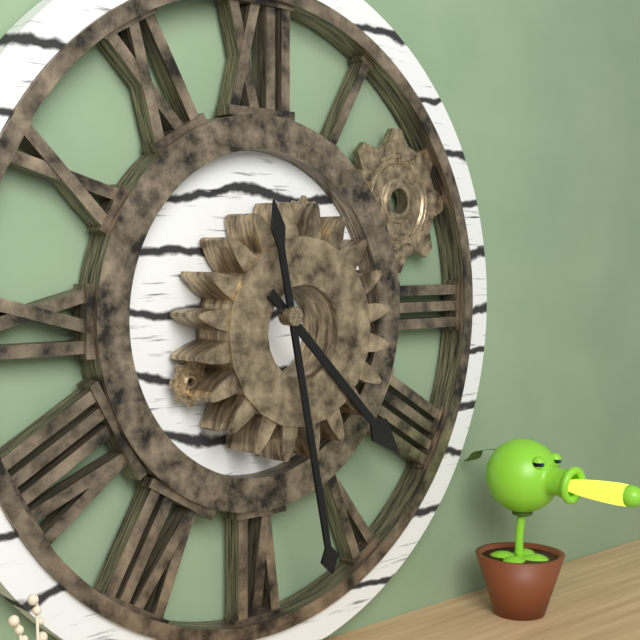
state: 4:28
